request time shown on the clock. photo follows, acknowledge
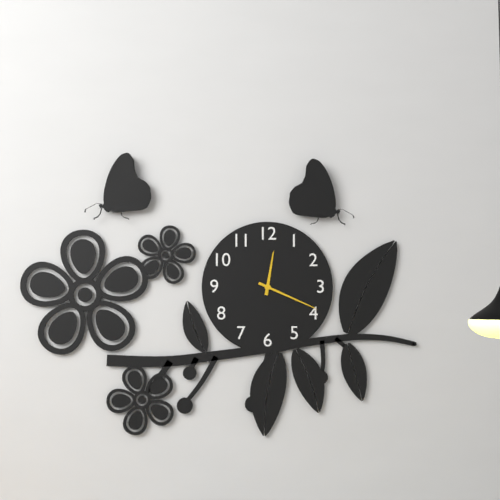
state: 12:19
